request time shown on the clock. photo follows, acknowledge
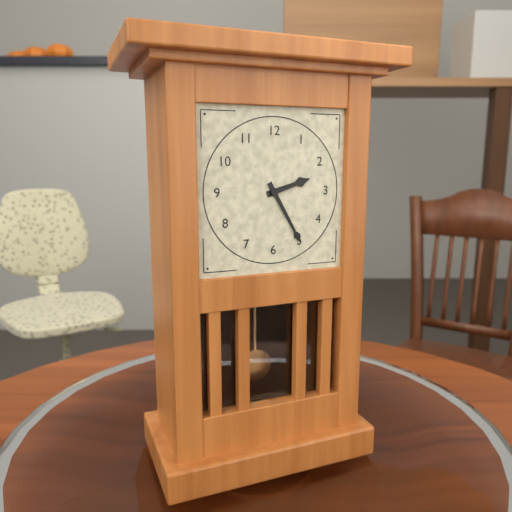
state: 2:25
